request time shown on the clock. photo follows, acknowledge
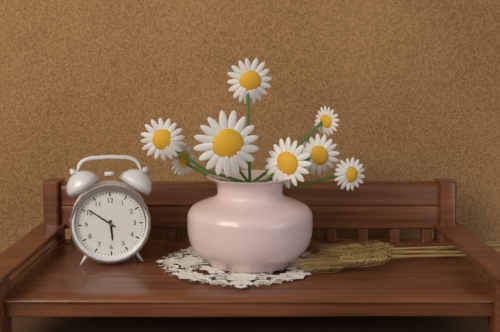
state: 5:51
